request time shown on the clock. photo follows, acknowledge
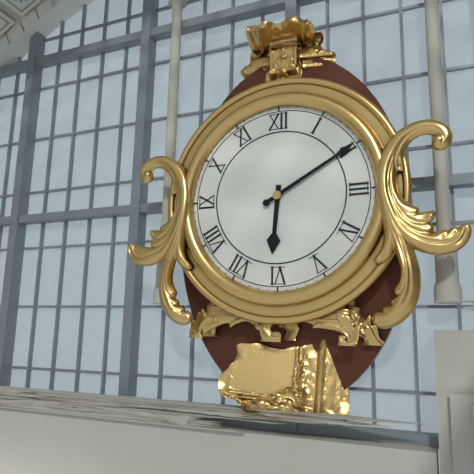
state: 6:10
